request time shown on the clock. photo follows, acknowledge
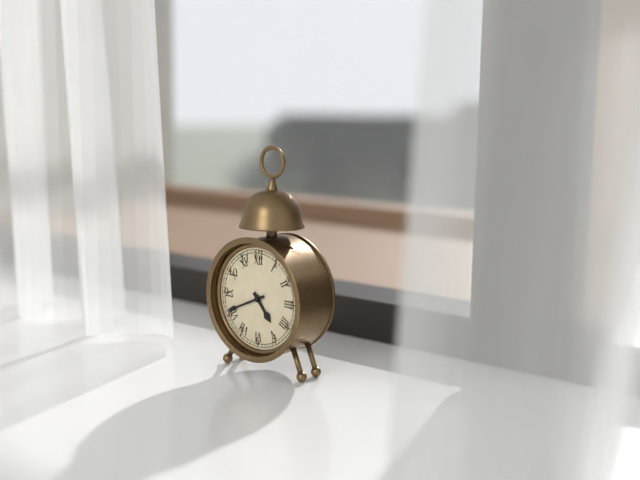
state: 4:41
